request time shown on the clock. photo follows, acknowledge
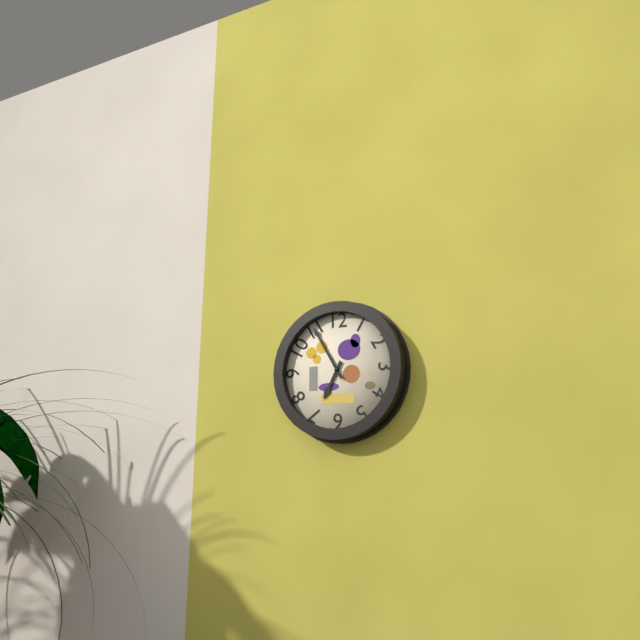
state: 6:55
